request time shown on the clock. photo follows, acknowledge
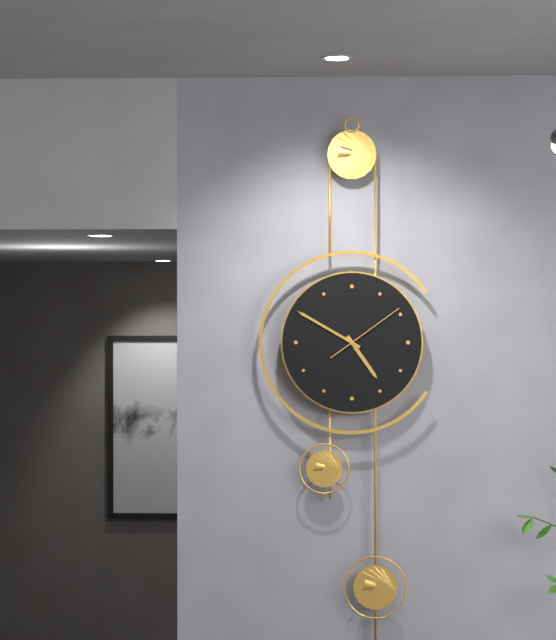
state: 4:50:09
